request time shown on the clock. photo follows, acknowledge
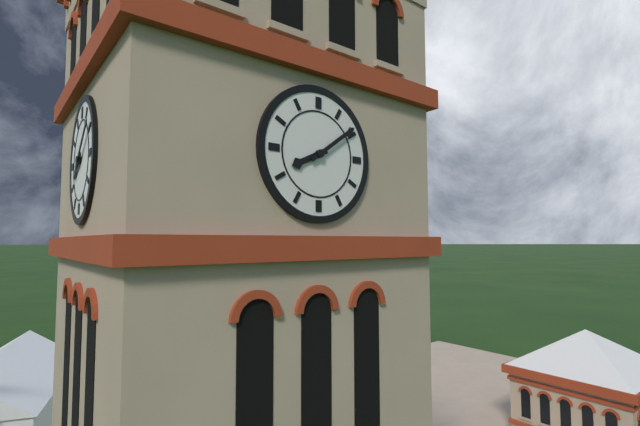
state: 8:09
